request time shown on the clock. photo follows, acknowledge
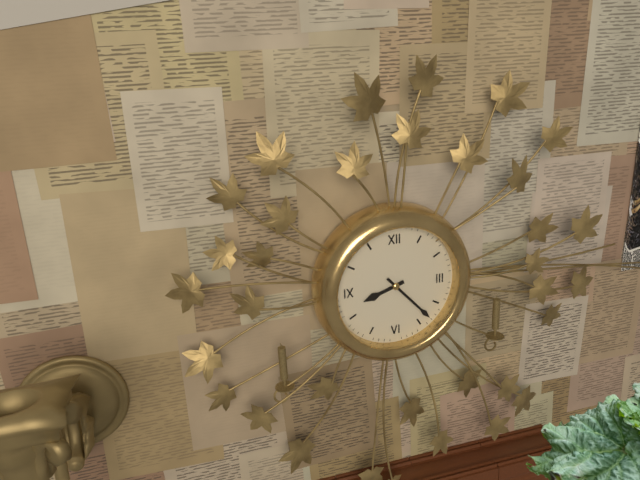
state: 8:23
